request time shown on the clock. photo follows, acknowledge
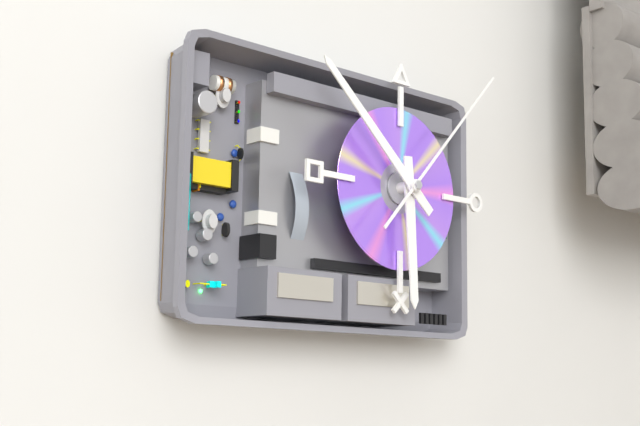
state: 5:52:07
